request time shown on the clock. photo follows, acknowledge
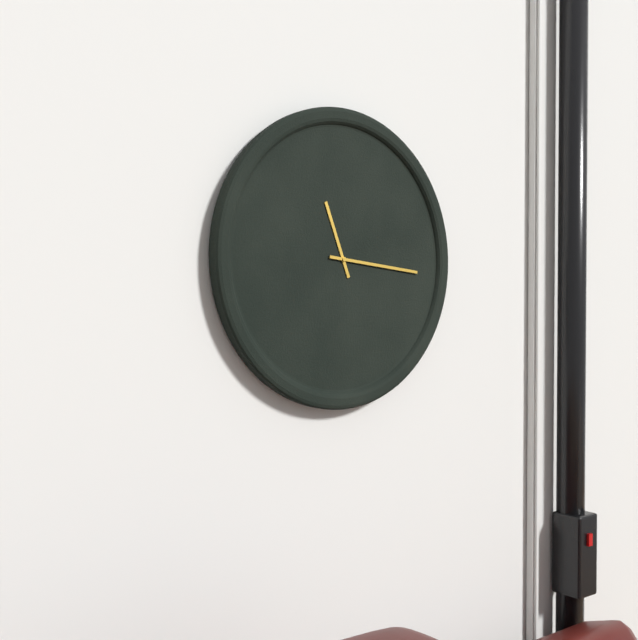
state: 11:16
